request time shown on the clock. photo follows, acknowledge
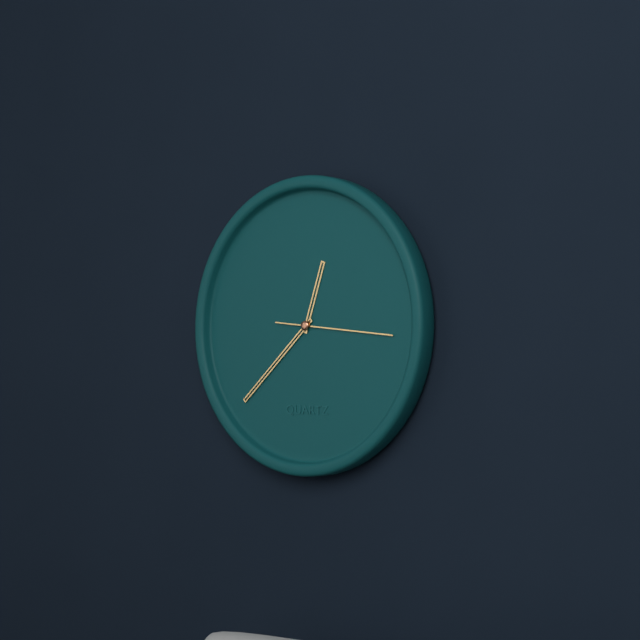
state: 12:38:16
